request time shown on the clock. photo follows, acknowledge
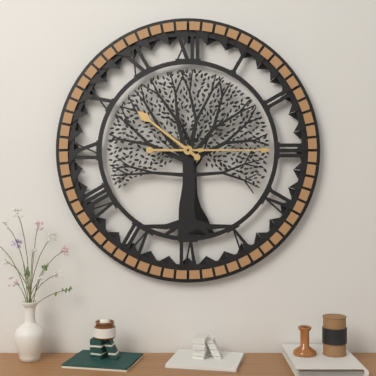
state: 10:15
